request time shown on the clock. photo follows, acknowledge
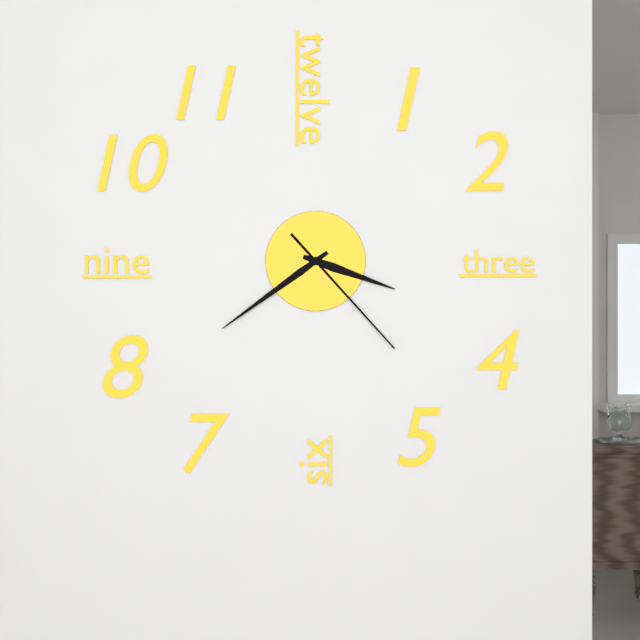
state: 3:39:23
